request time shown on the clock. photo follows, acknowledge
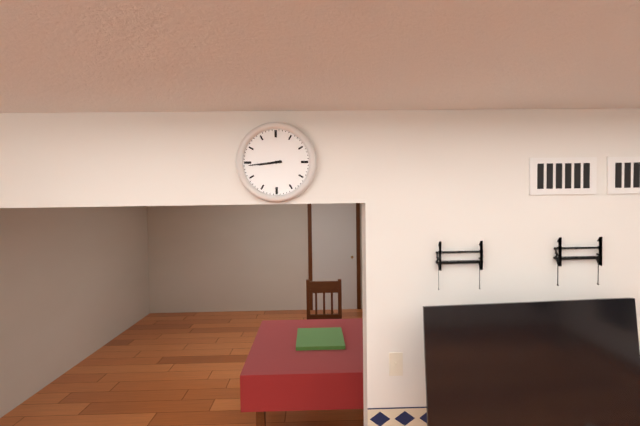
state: 8:44
